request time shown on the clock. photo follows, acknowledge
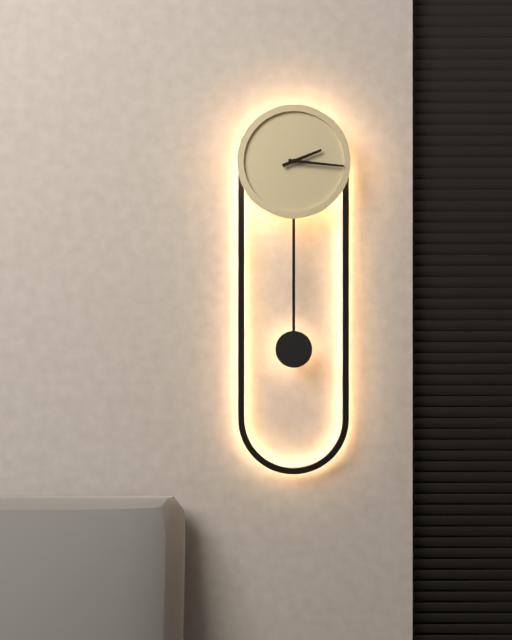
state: 2:16
